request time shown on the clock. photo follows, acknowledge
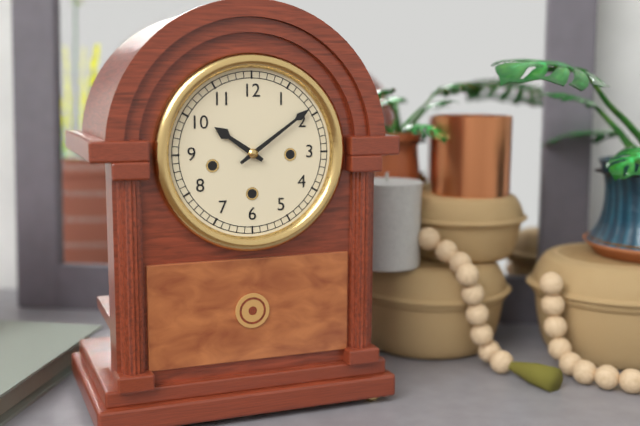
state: 10:09
